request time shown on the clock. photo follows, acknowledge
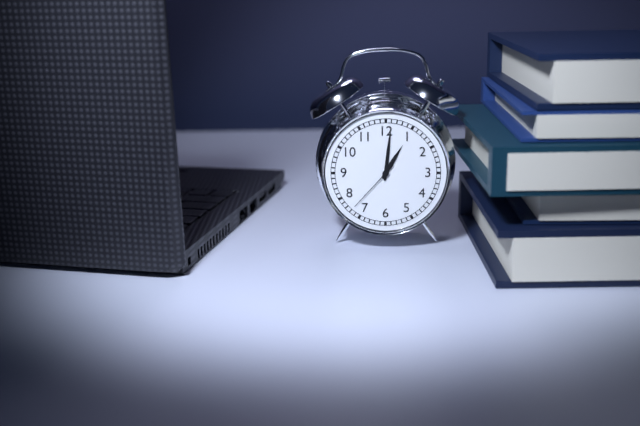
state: 1:01:37
